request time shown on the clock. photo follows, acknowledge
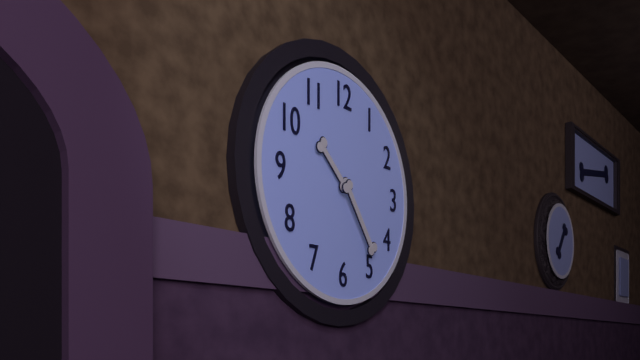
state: 10:24
